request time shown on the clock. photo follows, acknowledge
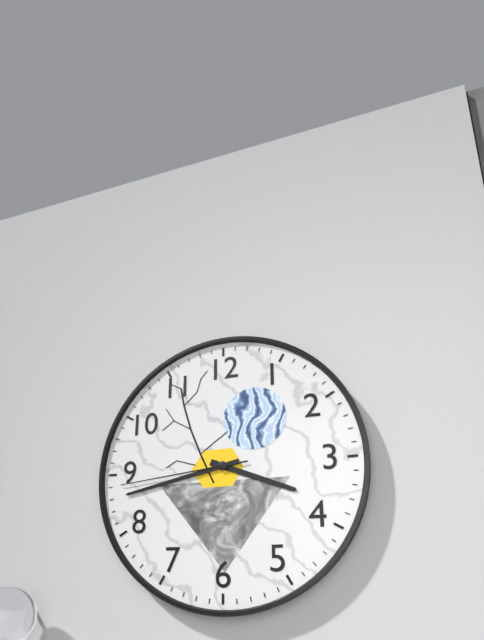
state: 3:43:44
